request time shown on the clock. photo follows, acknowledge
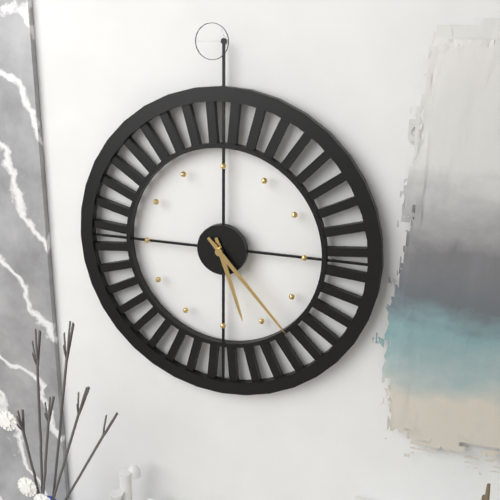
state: 5:23
